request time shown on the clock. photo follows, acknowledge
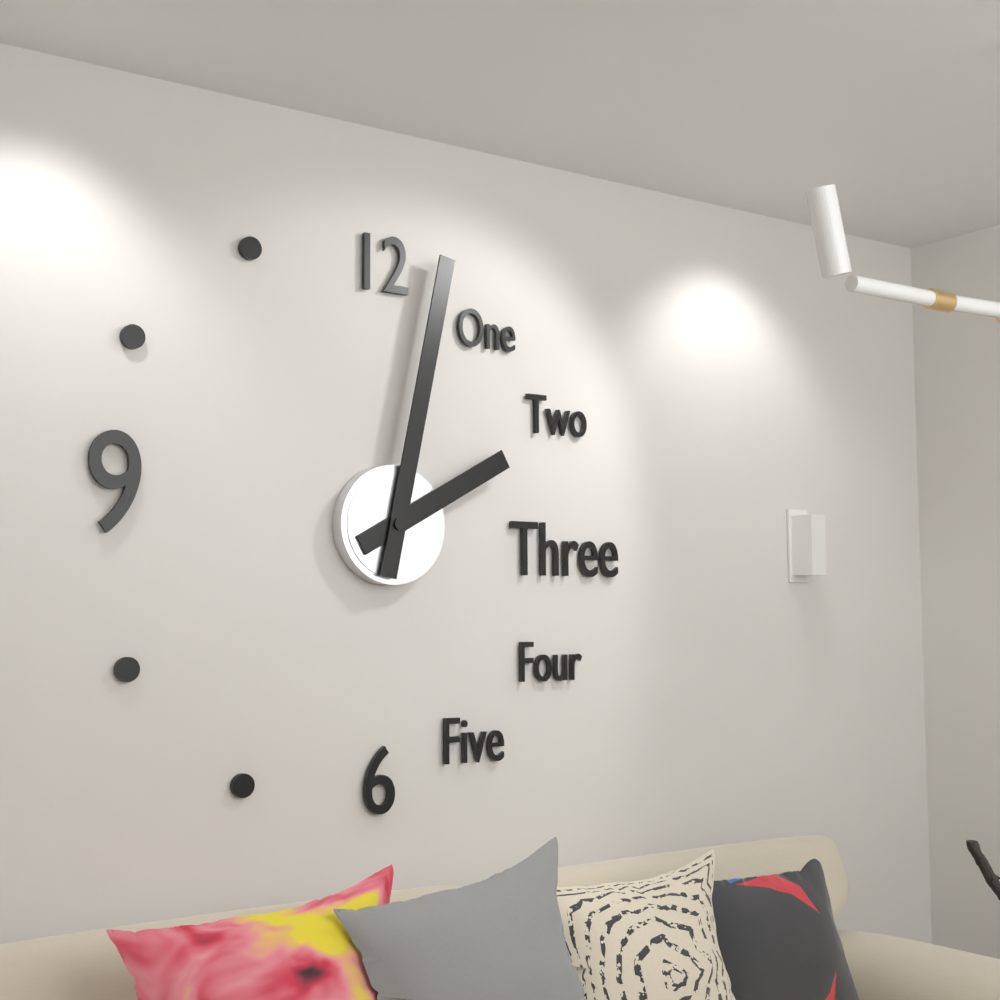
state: 2:02
